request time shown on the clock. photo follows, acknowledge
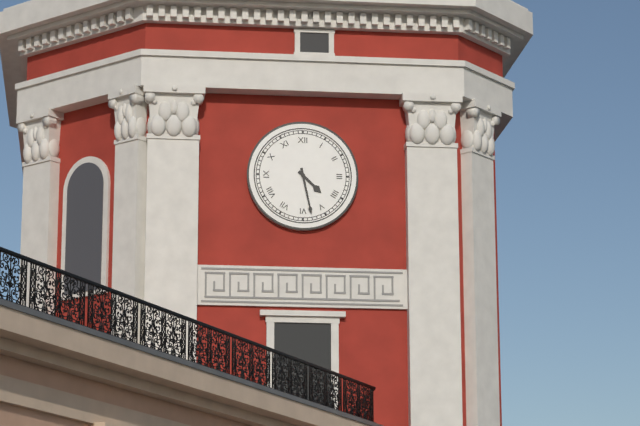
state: 4:28
